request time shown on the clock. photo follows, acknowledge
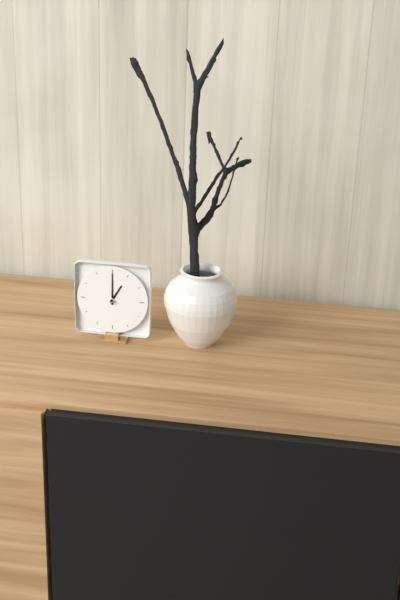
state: 1:00
